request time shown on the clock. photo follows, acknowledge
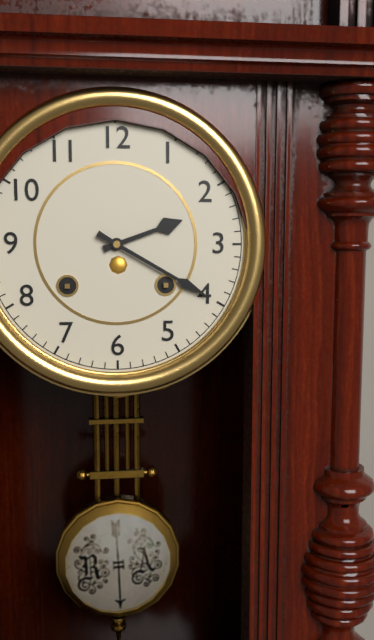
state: 2:20
